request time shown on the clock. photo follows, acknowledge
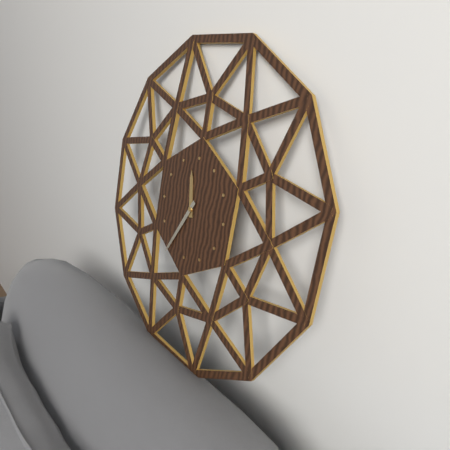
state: 11:35
